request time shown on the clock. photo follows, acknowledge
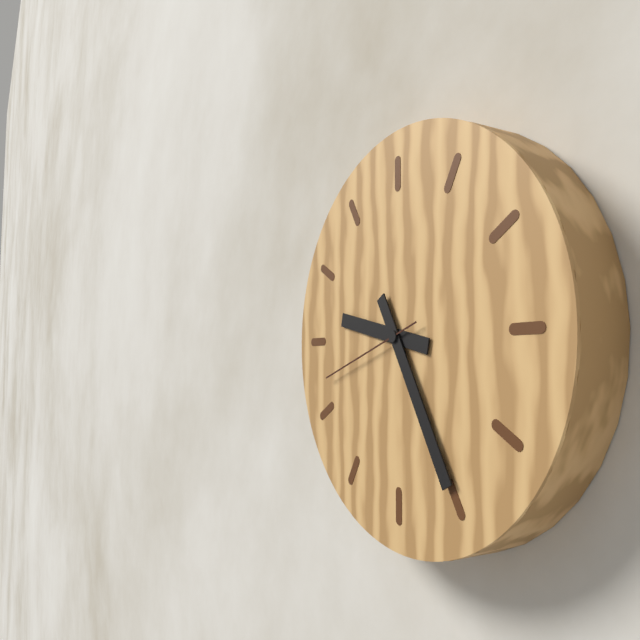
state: 9:25:42
